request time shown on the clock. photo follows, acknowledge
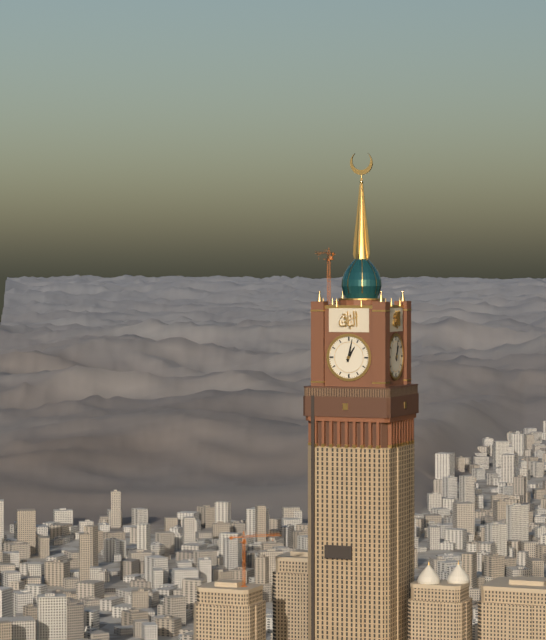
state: 1:02
